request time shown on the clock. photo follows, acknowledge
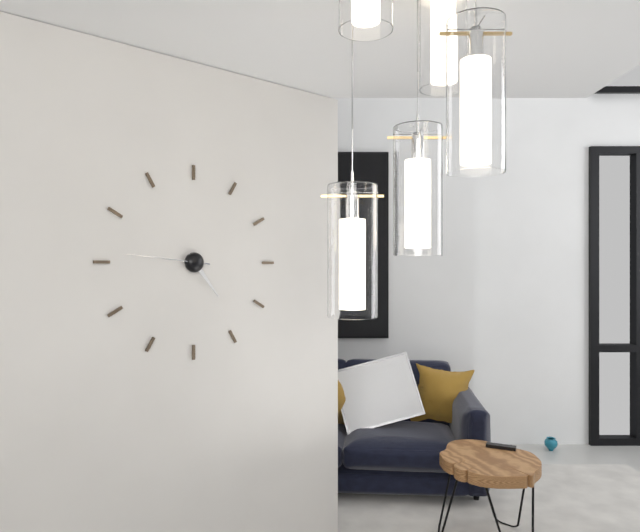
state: 4:46
